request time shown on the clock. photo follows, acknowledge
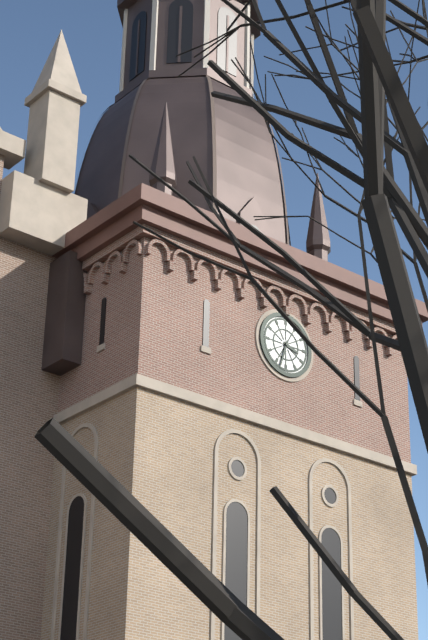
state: 3:33
